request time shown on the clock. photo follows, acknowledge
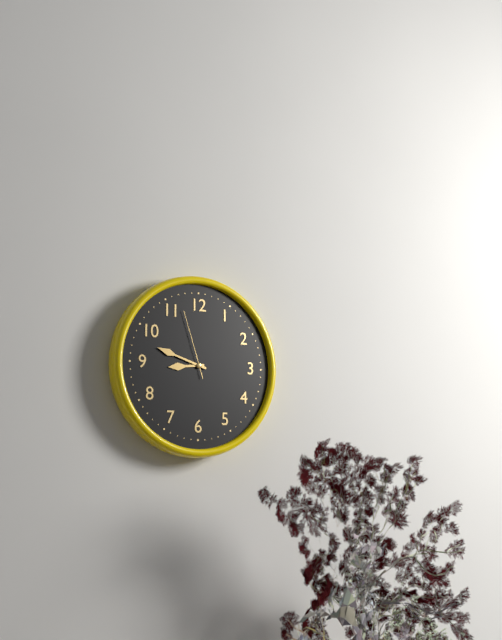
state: 8:48:57
